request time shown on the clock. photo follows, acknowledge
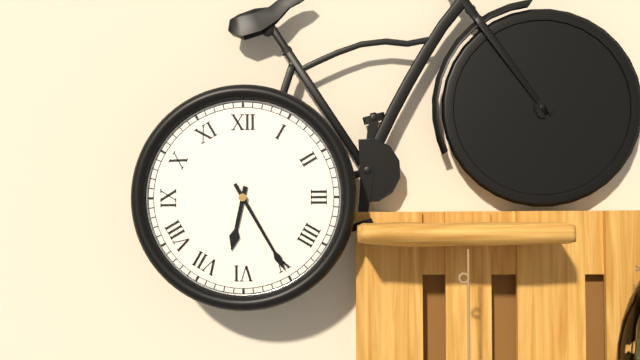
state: 6:25
